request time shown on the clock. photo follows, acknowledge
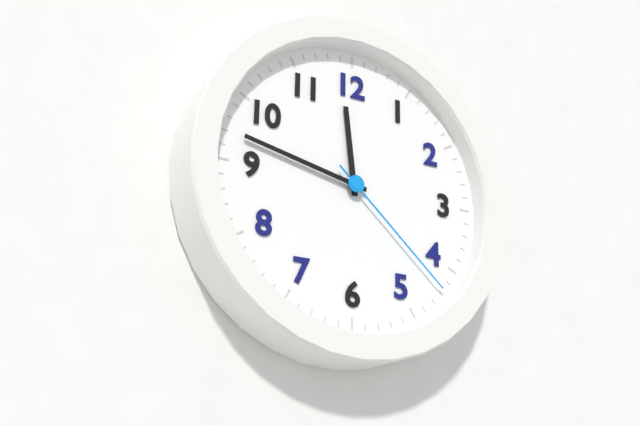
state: 11:47:22
